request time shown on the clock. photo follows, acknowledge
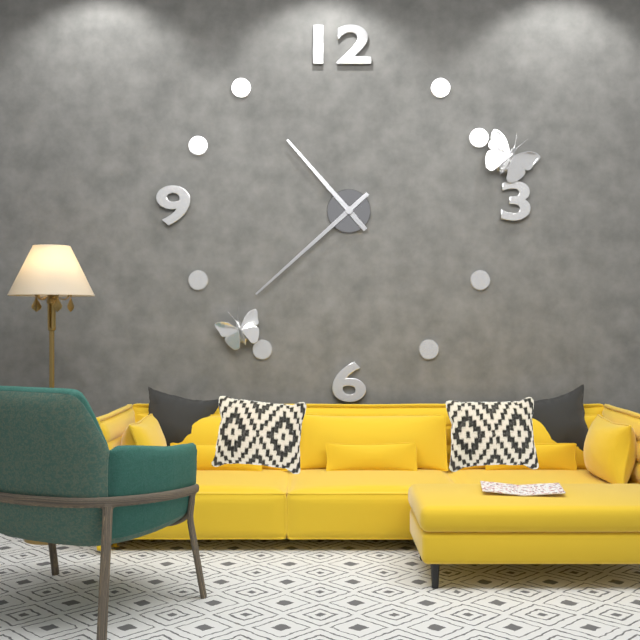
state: 10:38
